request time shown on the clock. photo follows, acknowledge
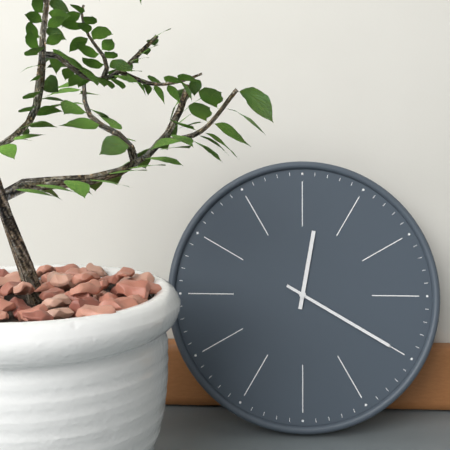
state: 12:20
